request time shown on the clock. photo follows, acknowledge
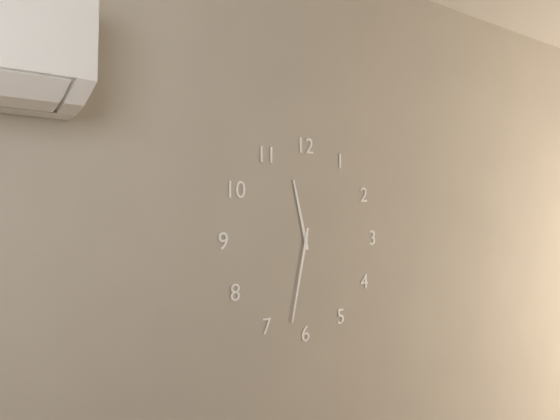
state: 11:32
